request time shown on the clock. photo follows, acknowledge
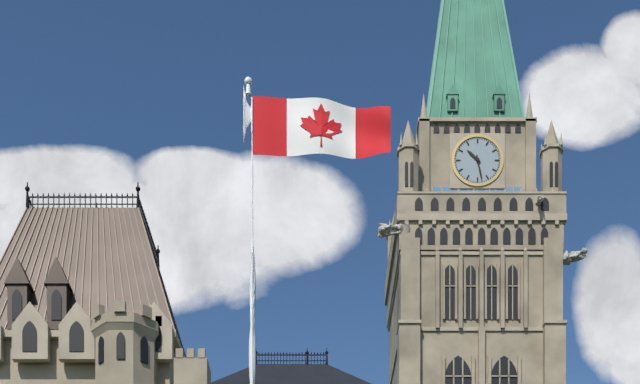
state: 10:28
